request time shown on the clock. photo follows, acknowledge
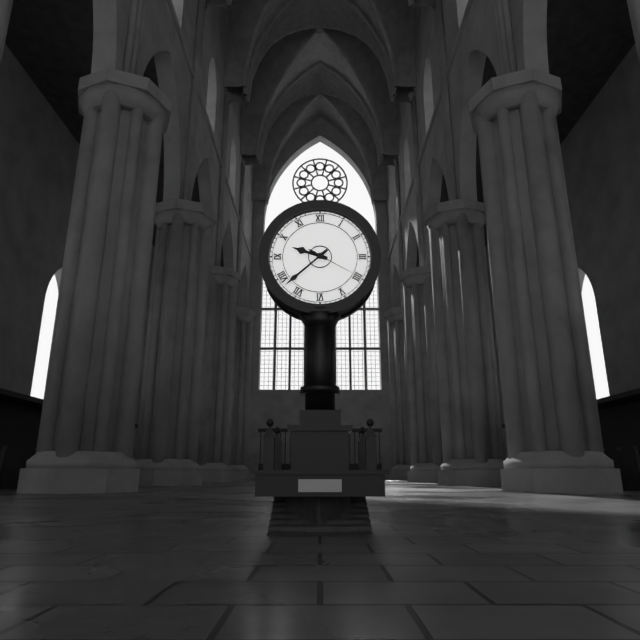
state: 9:38:20
